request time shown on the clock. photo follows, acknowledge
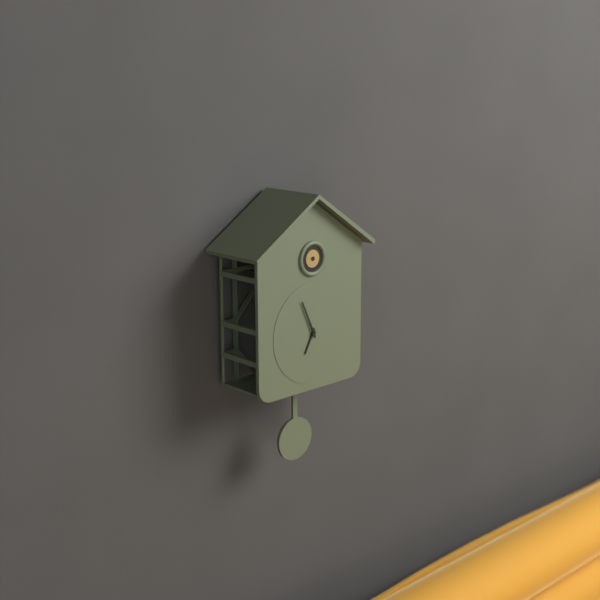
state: 6:56
